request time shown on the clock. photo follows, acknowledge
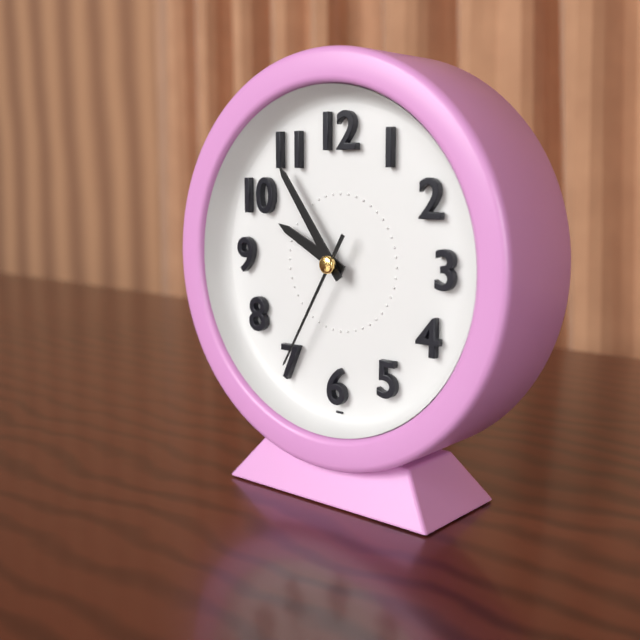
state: 9:54:35
